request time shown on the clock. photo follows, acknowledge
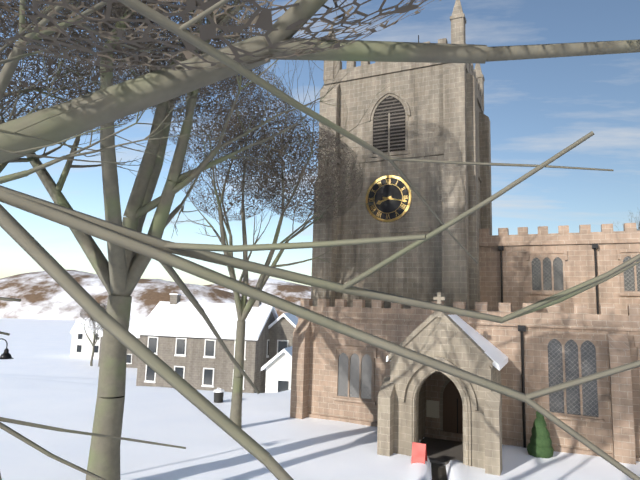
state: 8:17
